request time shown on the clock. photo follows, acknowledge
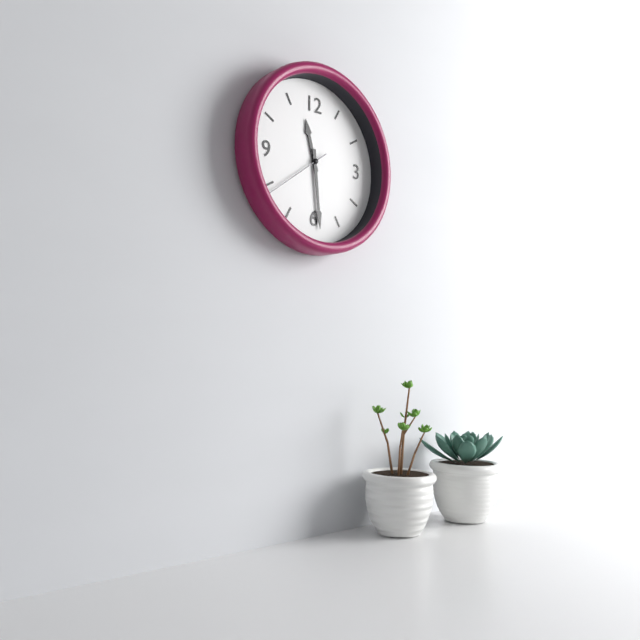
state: 11:29:39
